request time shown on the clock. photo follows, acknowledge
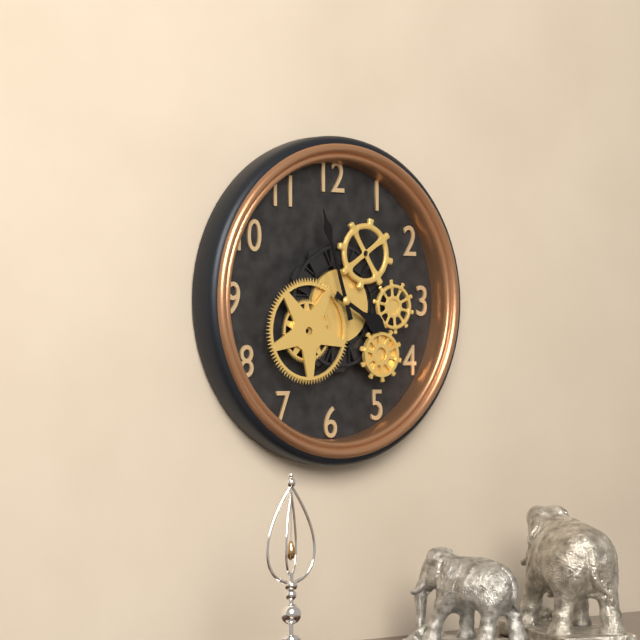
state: 3:57
